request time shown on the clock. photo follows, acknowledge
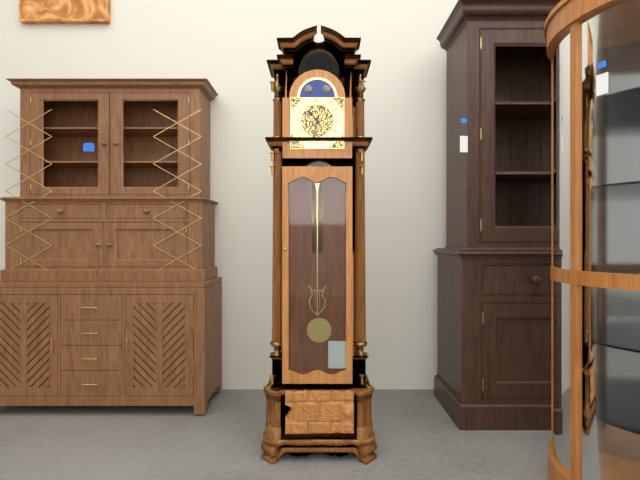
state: 10:32
